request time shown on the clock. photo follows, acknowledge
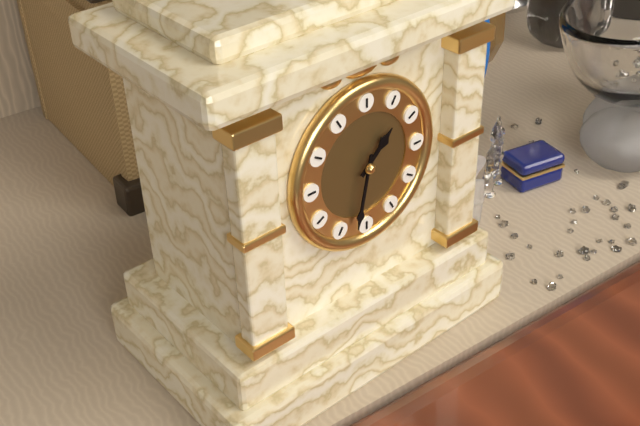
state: 1:32
